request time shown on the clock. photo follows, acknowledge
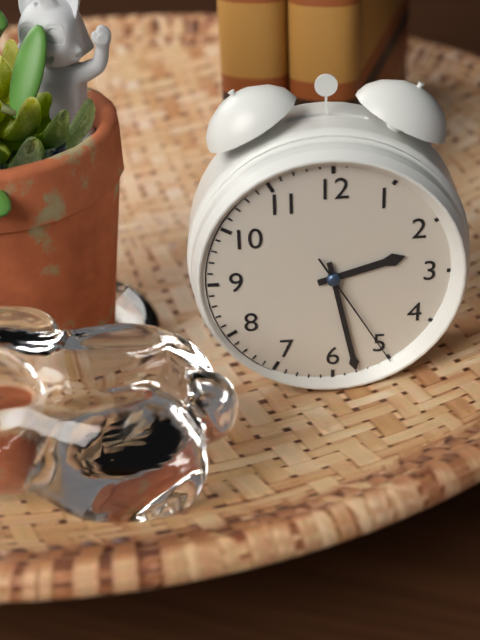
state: 2:28:25
